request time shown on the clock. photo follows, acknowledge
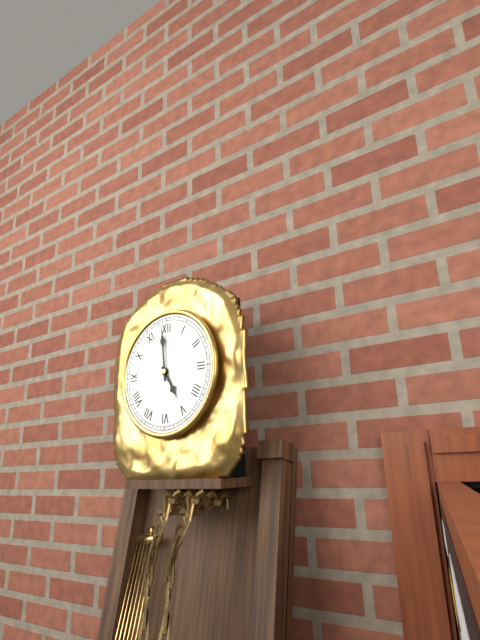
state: 4:59
